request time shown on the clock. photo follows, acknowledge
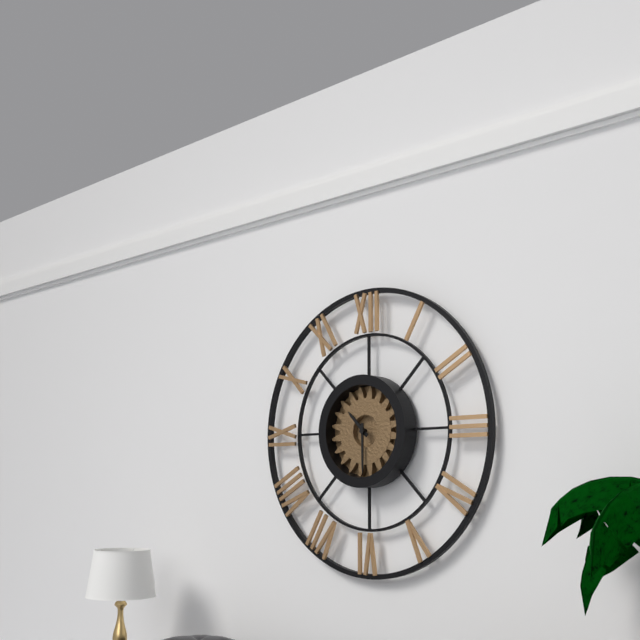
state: 10:30
